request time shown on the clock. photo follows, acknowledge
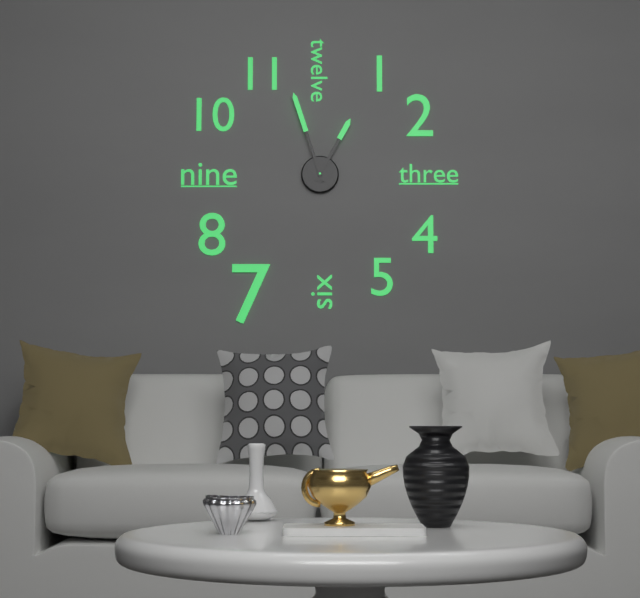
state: 12:57
